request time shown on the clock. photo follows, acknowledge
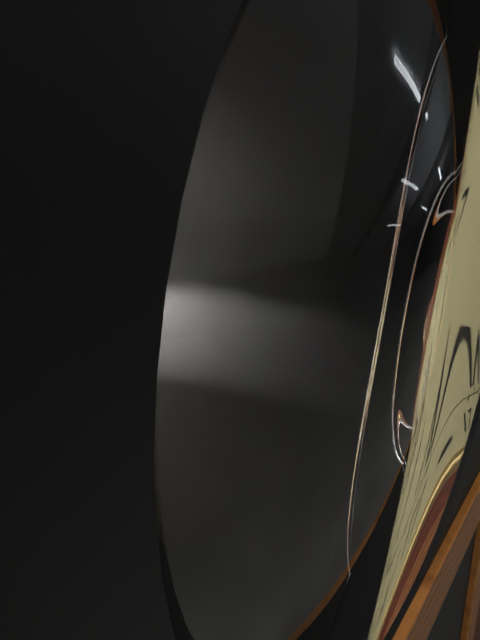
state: 10:17:15
